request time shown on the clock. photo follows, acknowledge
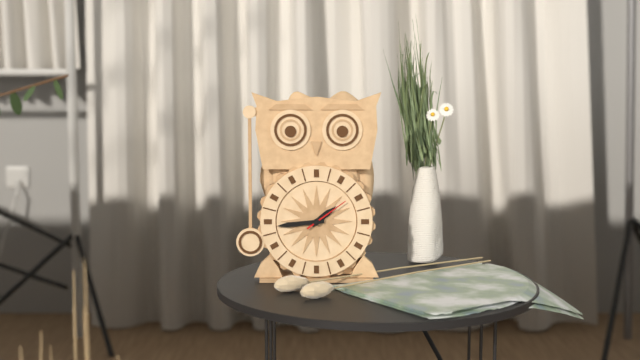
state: 1:44
